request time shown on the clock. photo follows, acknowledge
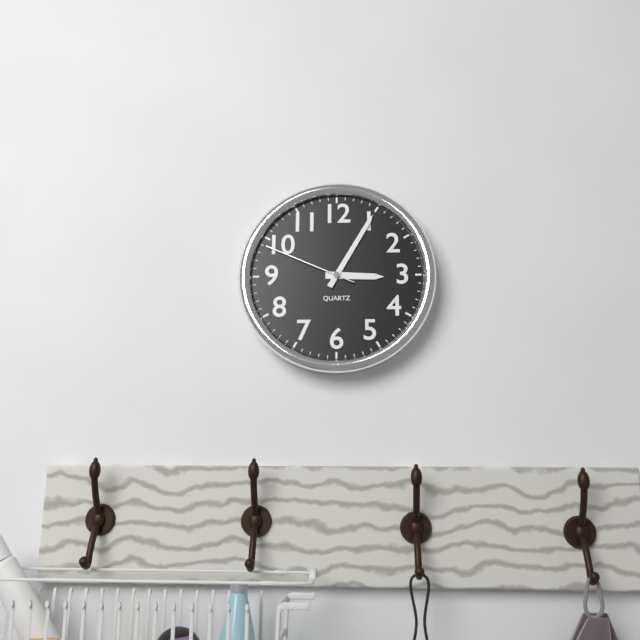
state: 3:05:49
